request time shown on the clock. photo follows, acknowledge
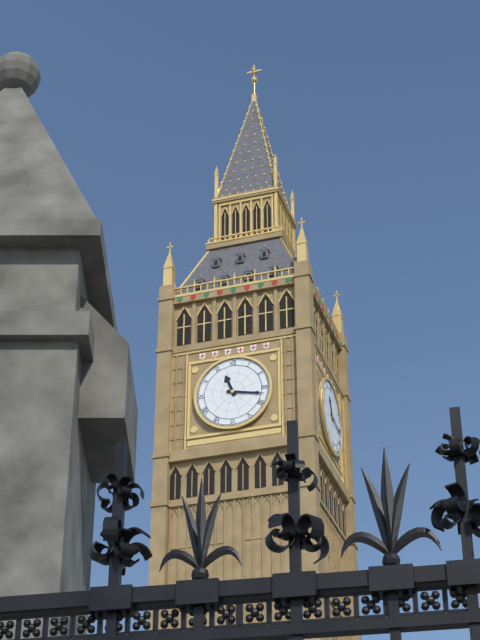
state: 11:17
